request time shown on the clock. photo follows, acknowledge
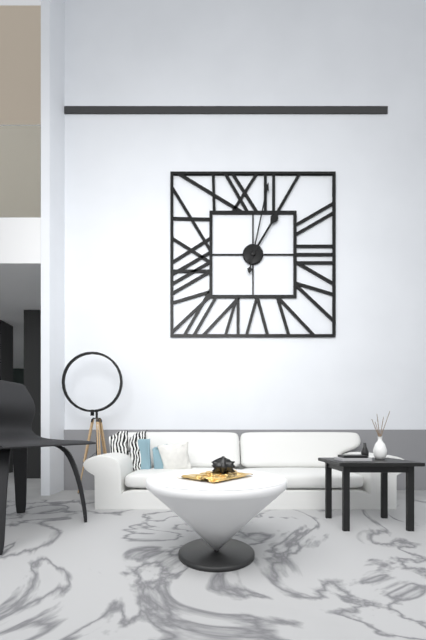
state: 1:02
